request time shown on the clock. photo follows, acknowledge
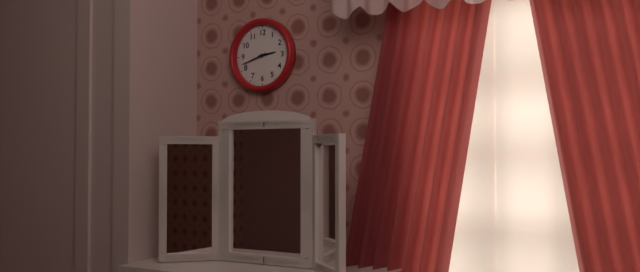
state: 2:42
